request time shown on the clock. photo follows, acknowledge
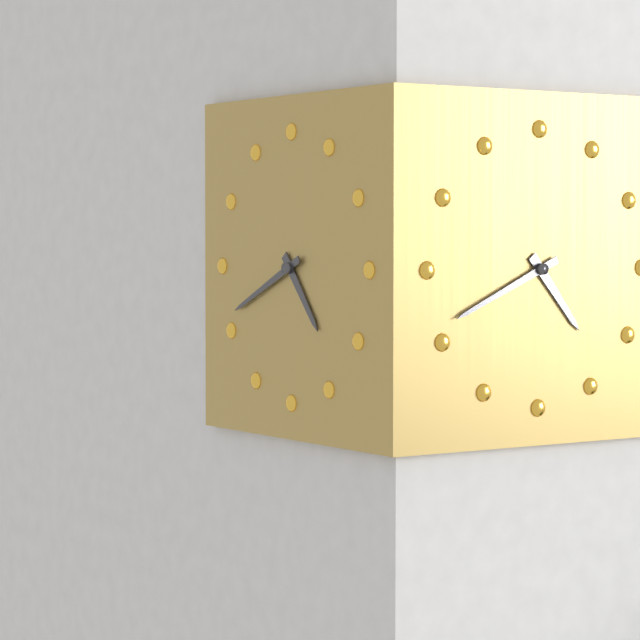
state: 4:41
